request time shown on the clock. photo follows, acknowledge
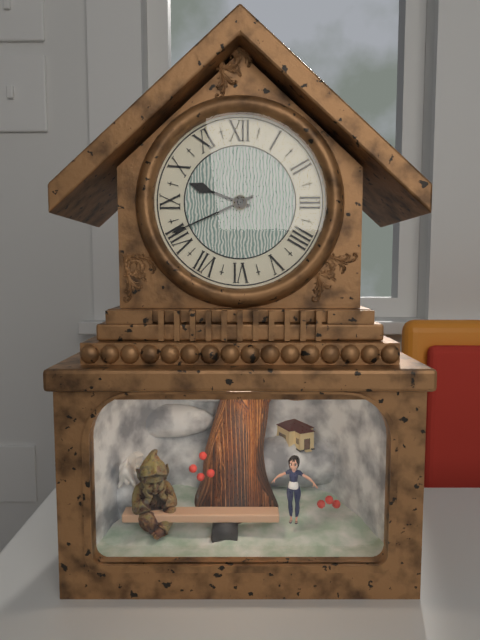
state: 9:41
